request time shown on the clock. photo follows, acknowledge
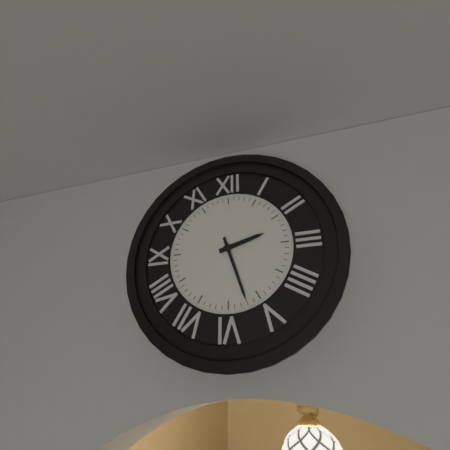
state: 2:27
